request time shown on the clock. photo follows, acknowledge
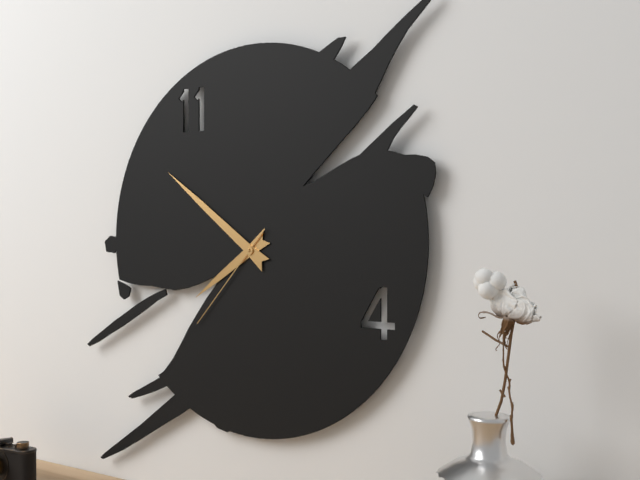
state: 7:51:37
